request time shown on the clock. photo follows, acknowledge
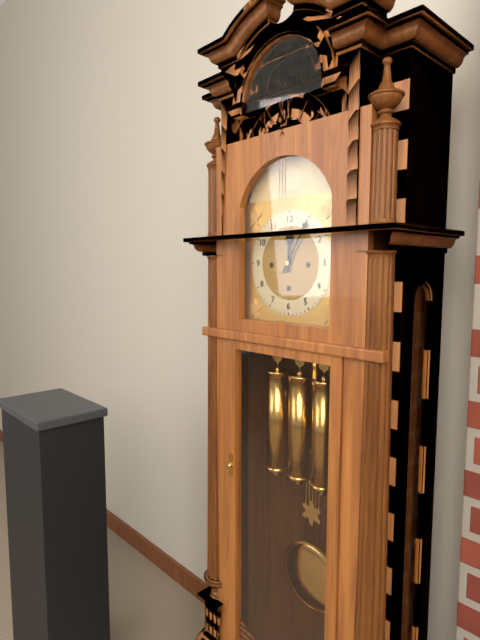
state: 12:05
